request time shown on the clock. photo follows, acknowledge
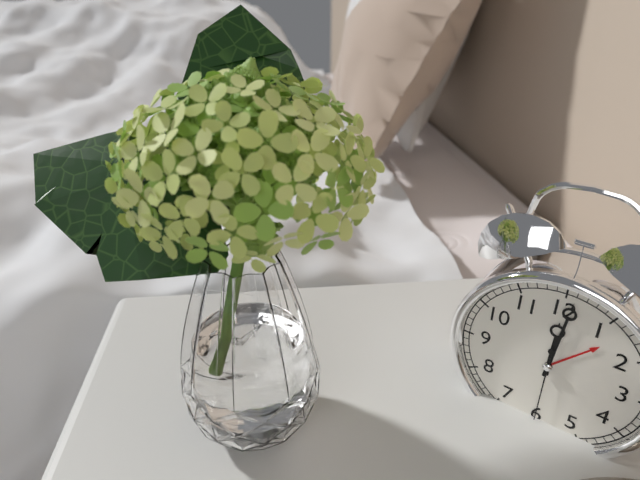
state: 12:01:30
